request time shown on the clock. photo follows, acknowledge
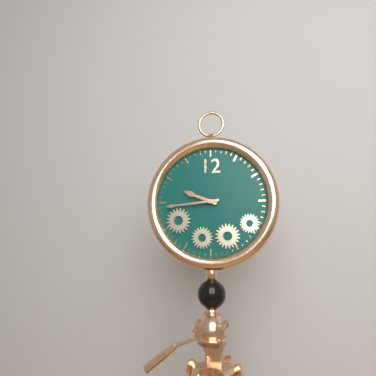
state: 9:44
